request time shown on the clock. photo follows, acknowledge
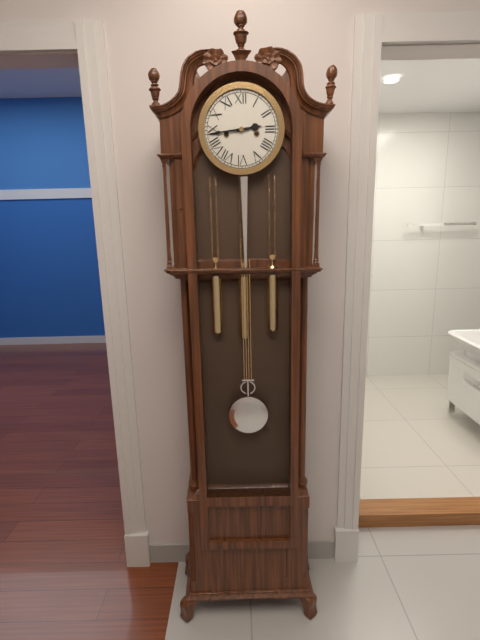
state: 2:44
